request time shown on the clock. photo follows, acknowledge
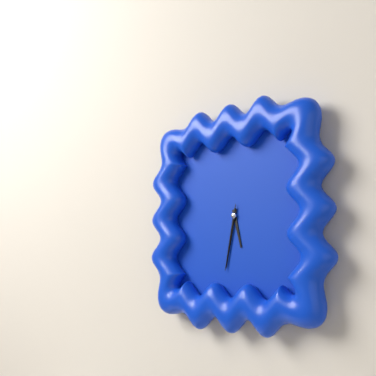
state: 5:32:32
